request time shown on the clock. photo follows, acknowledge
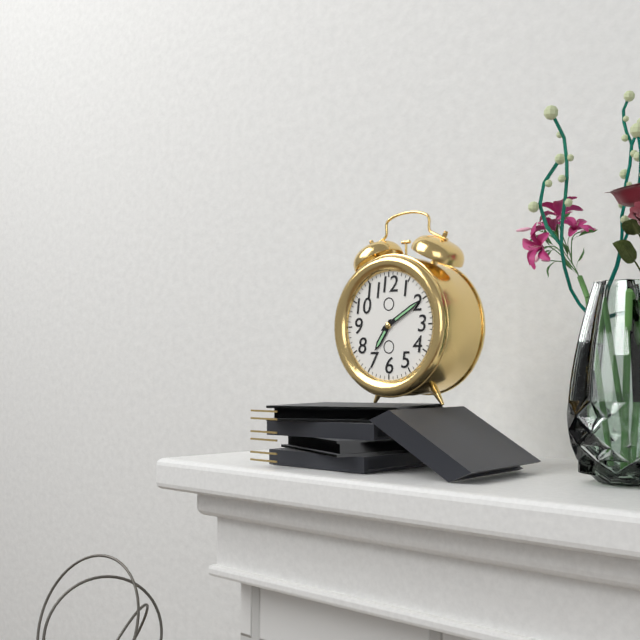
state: 7:10
